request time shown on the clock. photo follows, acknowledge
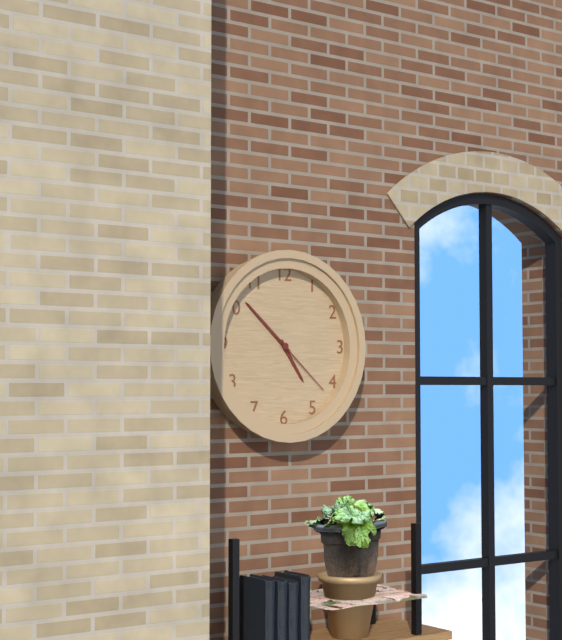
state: 4:52:22
